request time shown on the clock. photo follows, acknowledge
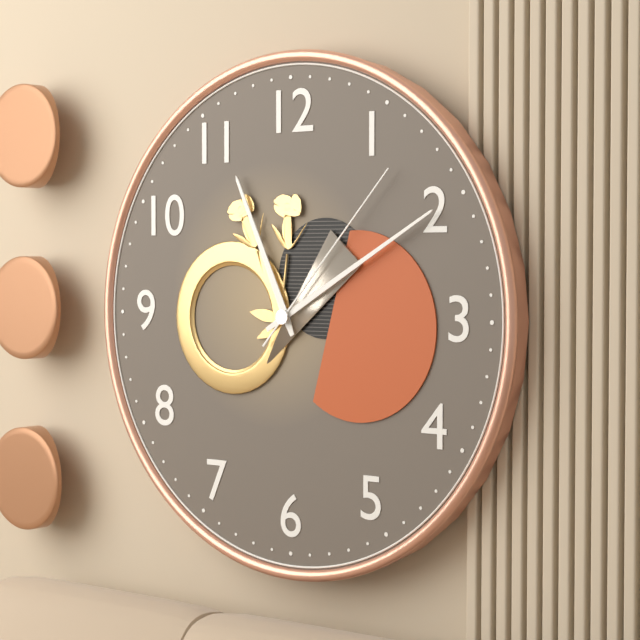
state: 11:10:07
